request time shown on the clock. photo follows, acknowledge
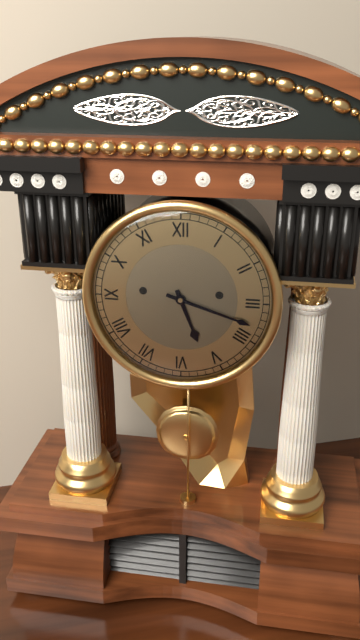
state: 5:18
